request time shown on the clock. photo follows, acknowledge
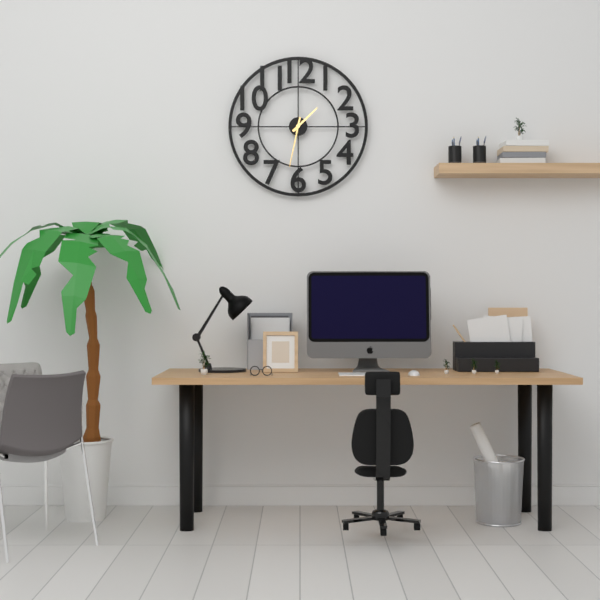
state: 1:32
